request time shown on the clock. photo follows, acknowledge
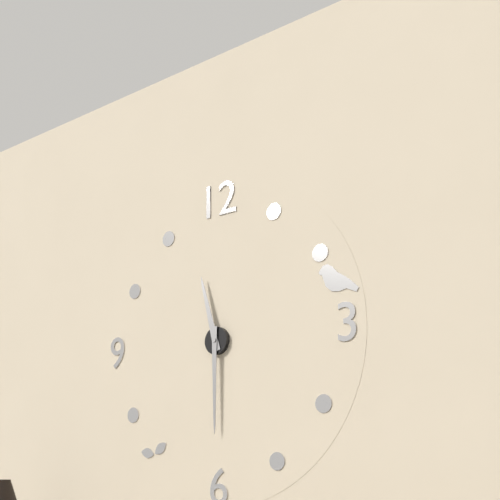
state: 11:30
